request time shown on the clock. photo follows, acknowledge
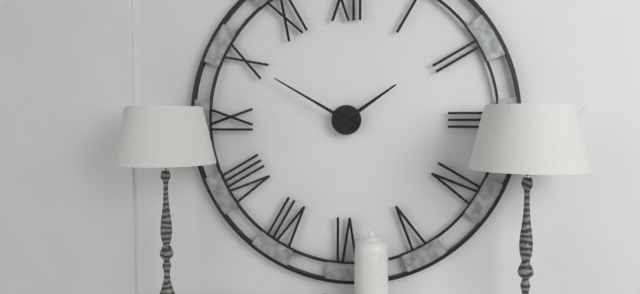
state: 1:50
